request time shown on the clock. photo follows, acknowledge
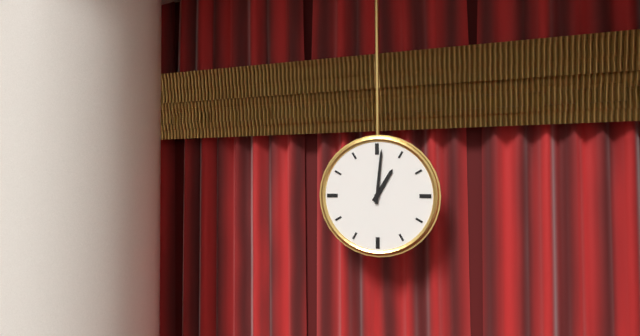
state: 1:01
